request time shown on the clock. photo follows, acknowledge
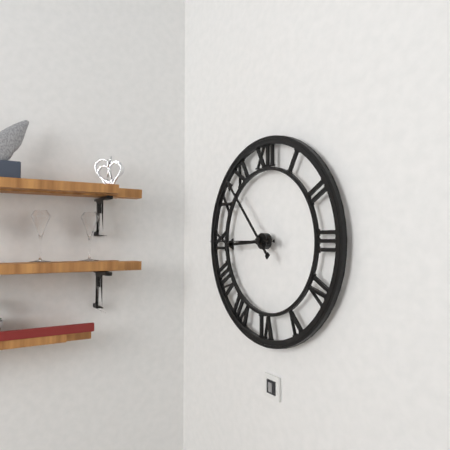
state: 8:53:45
